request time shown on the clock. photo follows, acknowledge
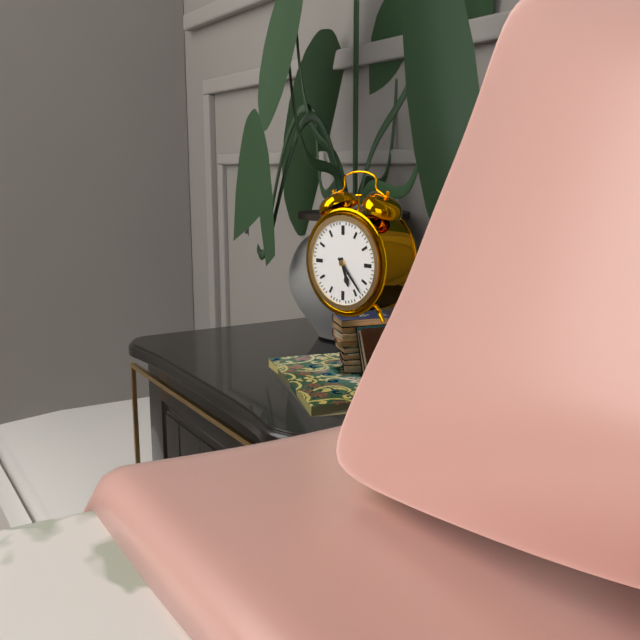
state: 5:23
